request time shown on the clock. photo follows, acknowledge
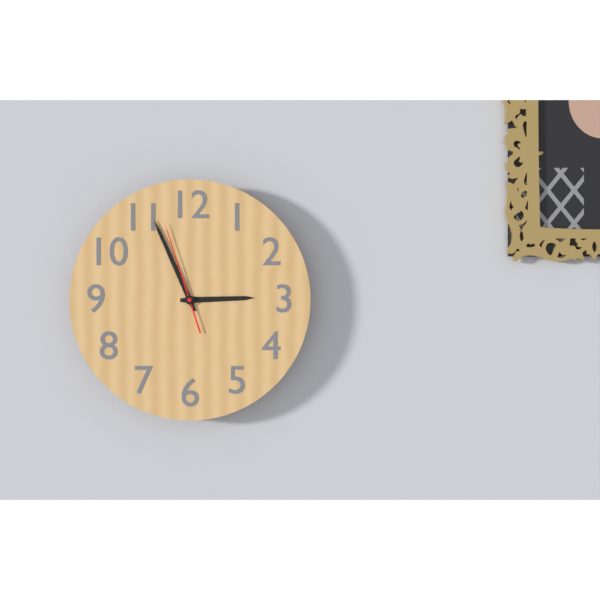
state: 2:56:57
